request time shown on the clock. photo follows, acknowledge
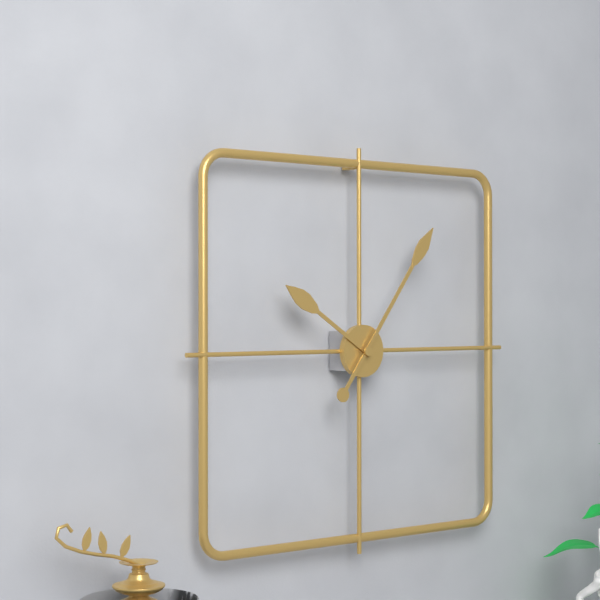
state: 10:06
